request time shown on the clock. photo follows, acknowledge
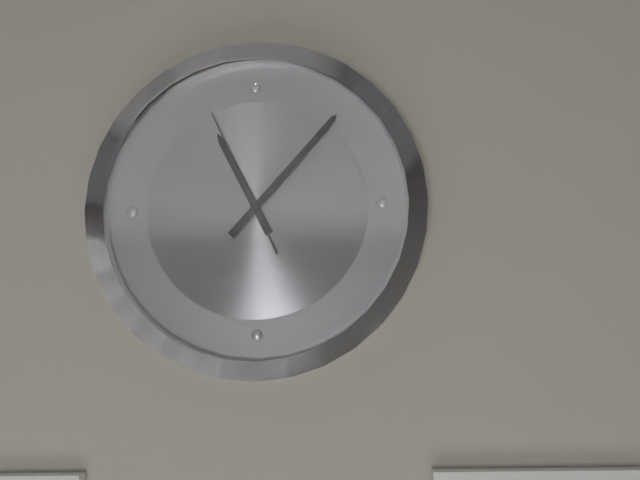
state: 11:07:56
